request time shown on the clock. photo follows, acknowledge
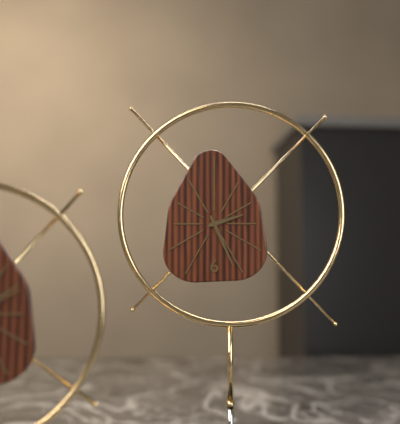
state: 2:26
